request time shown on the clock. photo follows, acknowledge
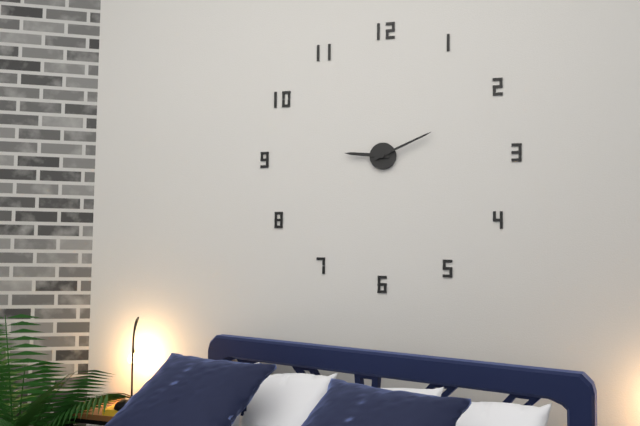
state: 9:11
